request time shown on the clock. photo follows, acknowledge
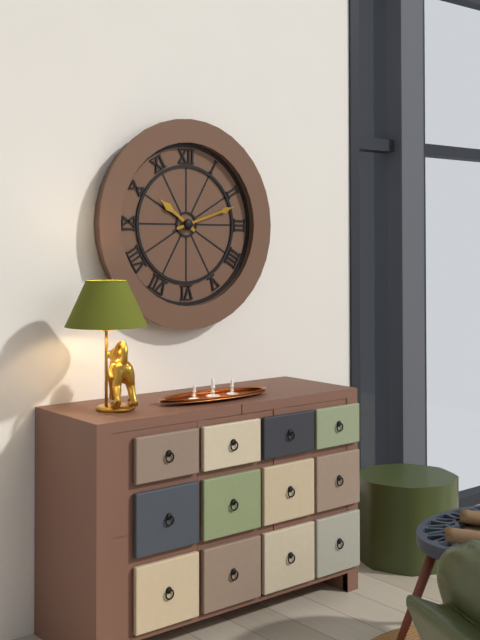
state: 10:12
